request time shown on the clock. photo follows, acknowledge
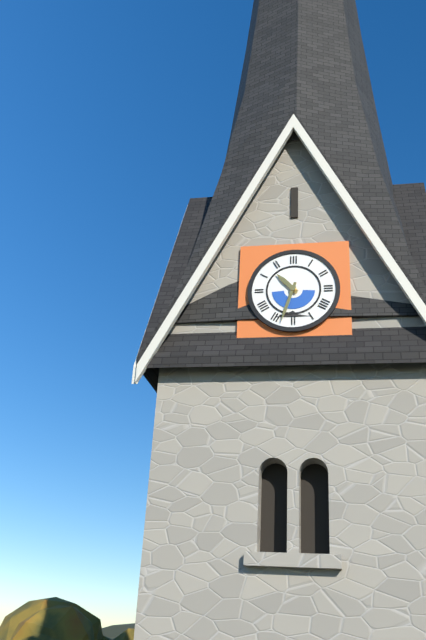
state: 10:33
